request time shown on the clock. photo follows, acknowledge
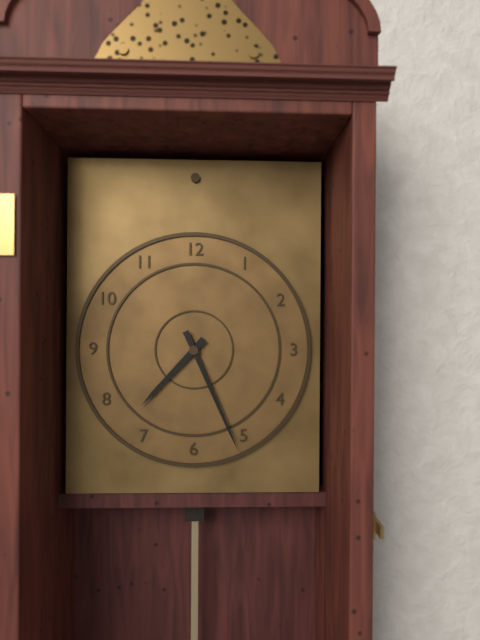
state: 7:26
